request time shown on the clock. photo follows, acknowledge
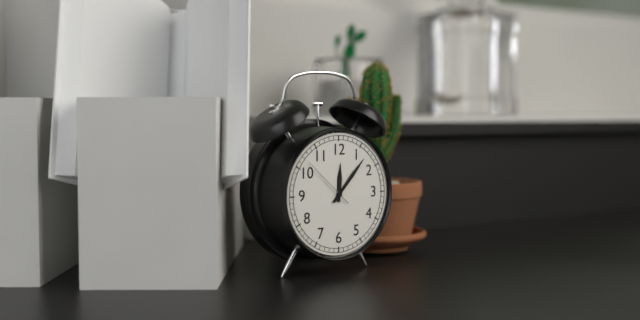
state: 12:07:52
